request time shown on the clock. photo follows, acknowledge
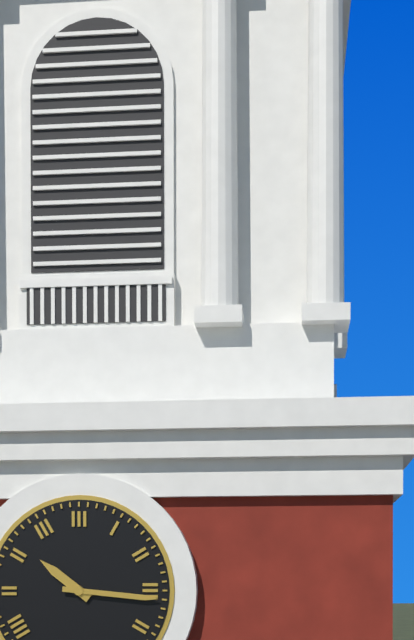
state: 10:16
